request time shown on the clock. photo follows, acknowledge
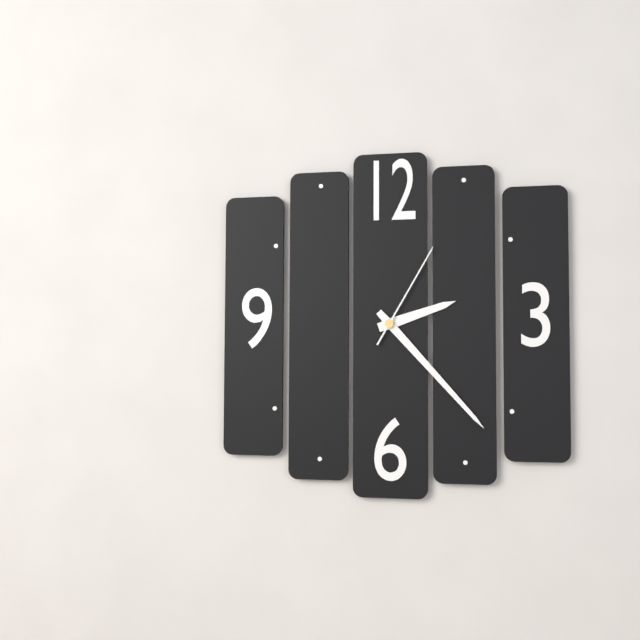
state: 2:23:05
